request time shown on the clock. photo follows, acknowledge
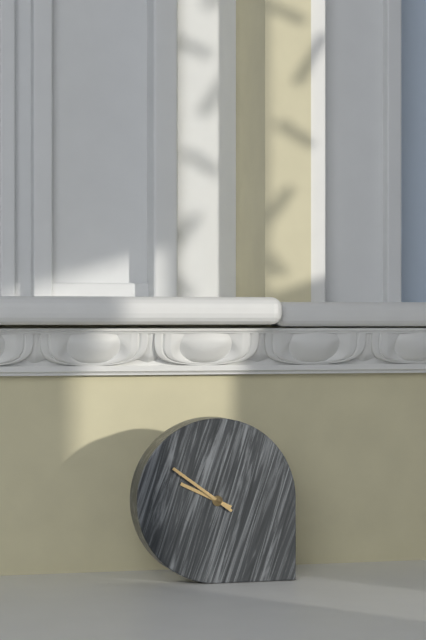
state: 9:51
